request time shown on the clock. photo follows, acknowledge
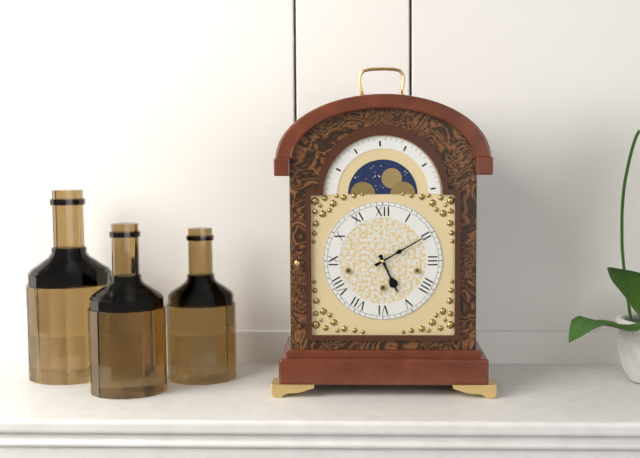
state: 5:10
